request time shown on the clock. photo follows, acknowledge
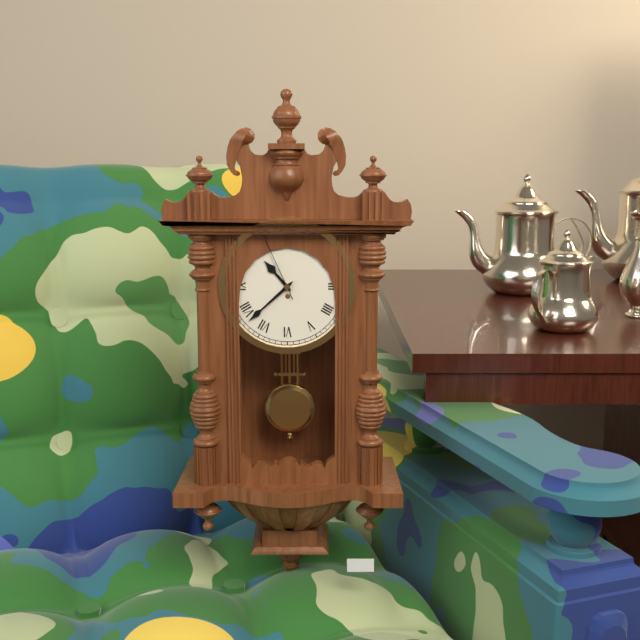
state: 10:38:56
